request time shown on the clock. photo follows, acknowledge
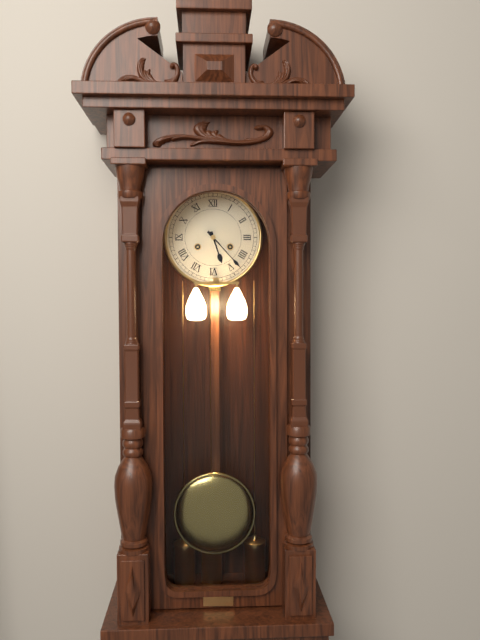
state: 5:23
